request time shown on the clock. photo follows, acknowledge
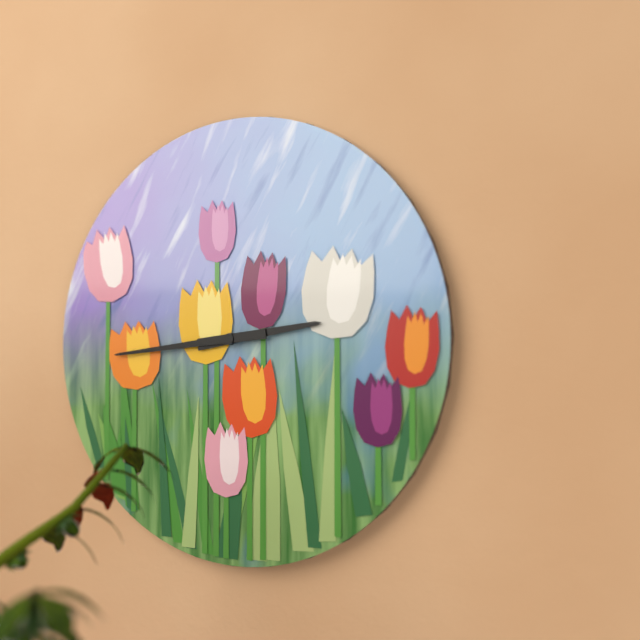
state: 2:44
